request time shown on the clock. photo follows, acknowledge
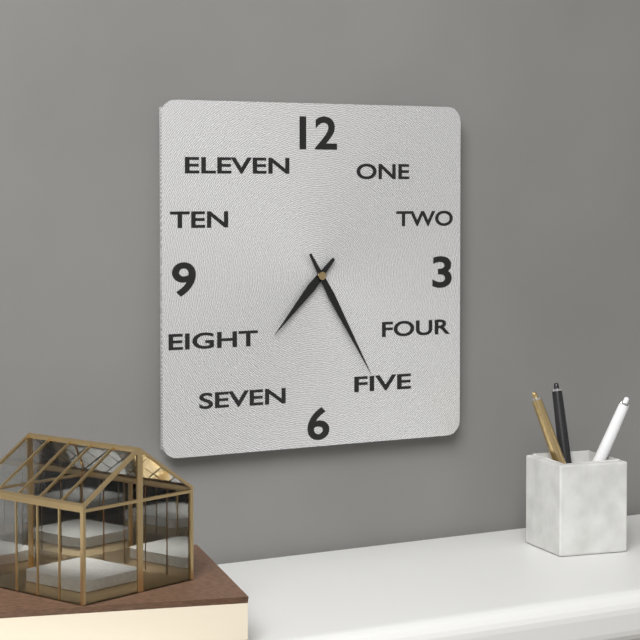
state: 7:25
